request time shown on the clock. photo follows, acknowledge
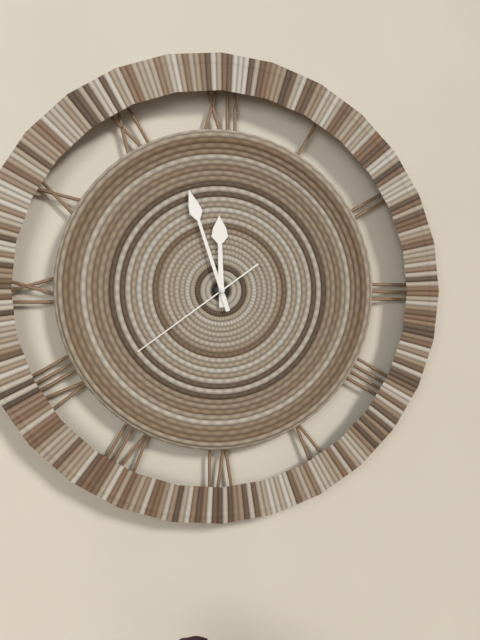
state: 11:57:39
